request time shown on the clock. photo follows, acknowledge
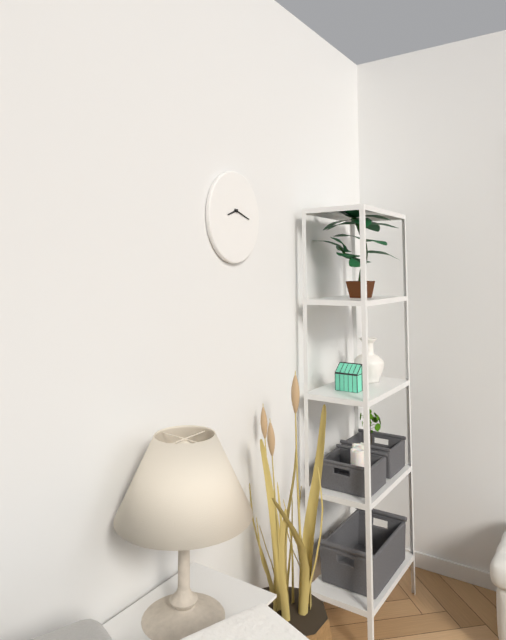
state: 8:18
